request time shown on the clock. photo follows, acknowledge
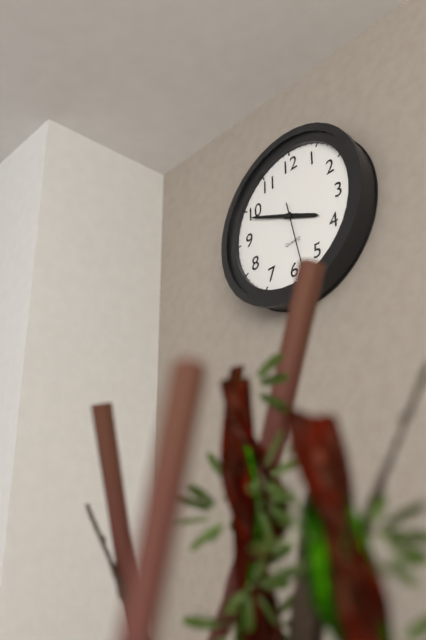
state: 3:49:28
